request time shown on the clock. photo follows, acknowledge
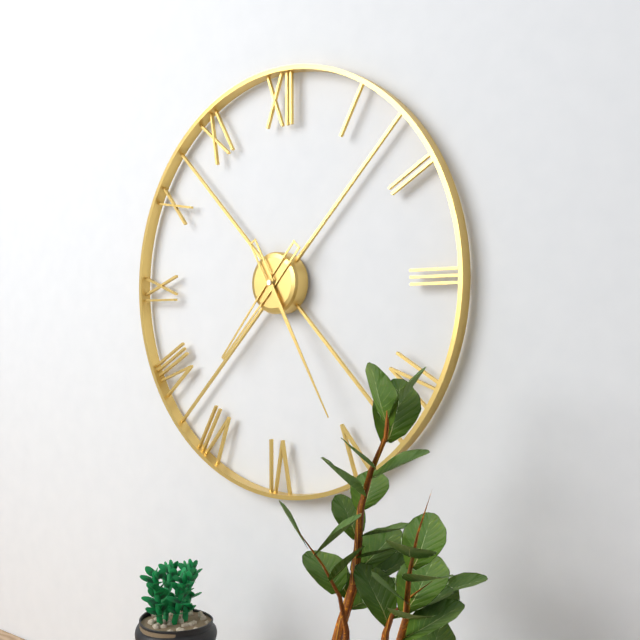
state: 7:25
